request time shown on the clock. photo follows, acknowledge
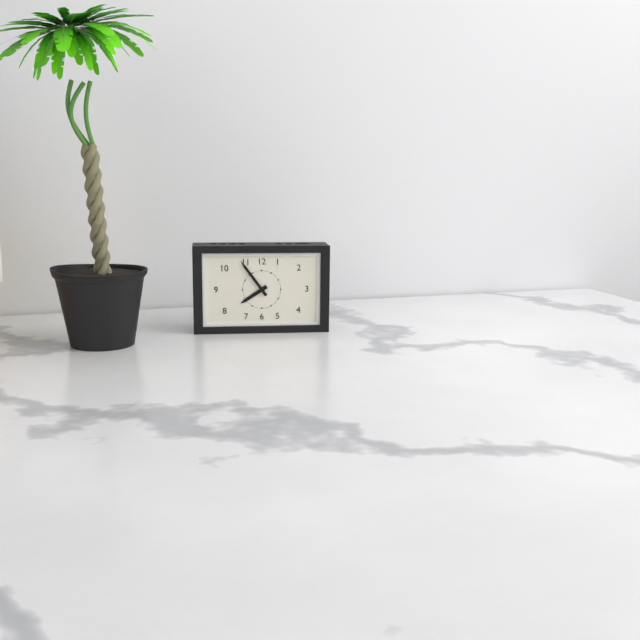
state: 7:54
